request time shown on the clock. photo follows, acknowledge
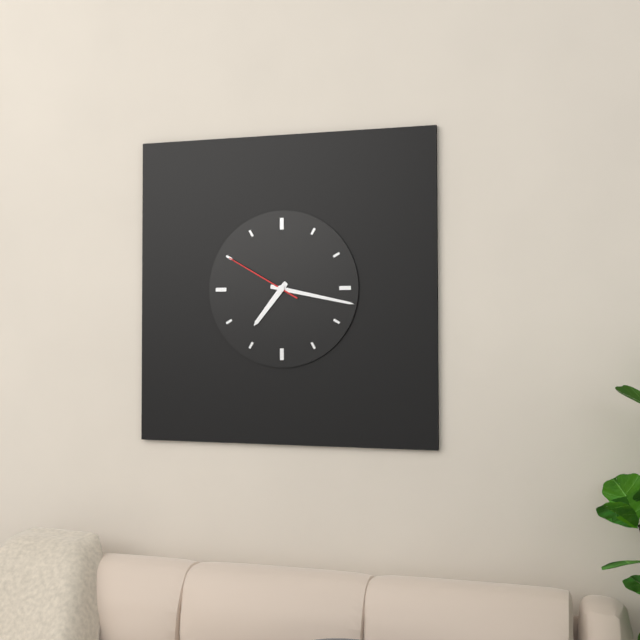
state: 7:17:50
